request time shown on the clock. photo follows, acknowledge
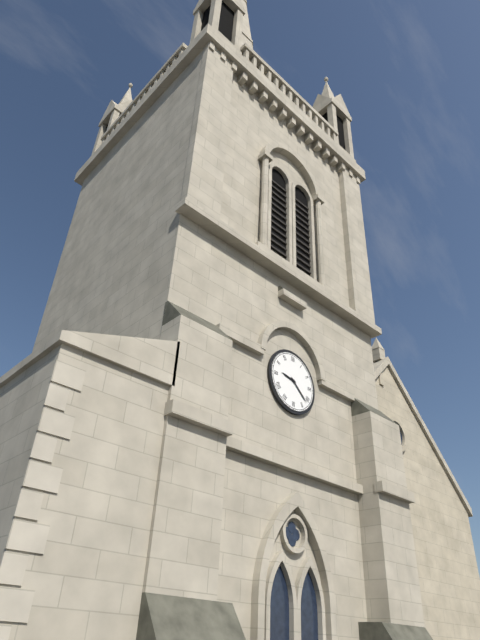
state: 9:22
